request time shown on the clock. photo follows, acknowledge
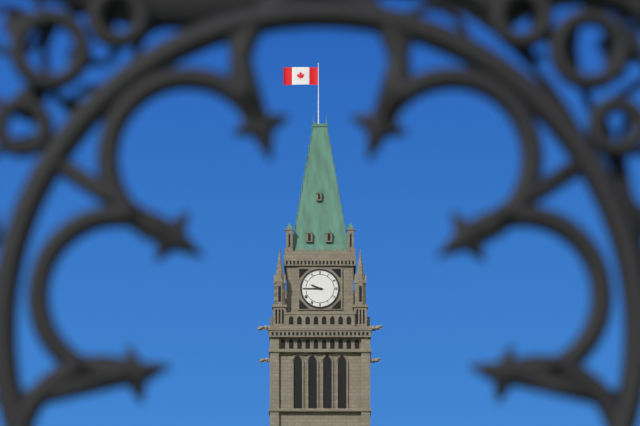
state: 9:45
